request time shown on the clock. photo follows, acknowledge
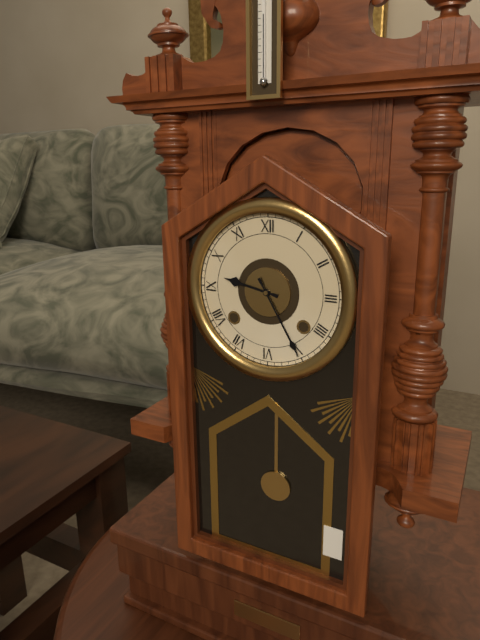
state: 9:25
